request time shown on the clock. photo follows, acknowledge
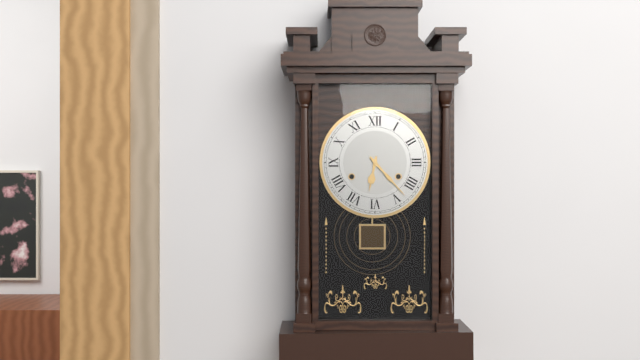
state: 6:23
